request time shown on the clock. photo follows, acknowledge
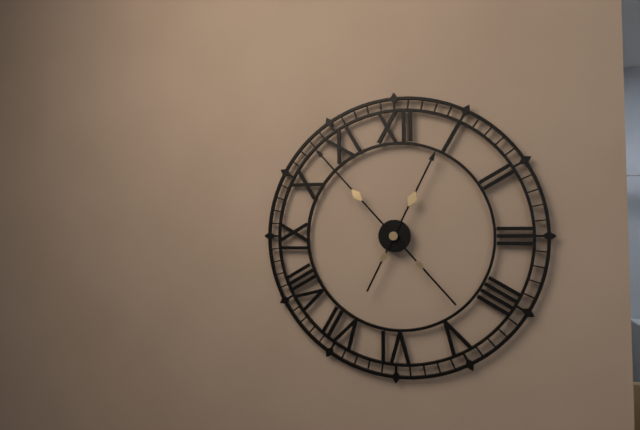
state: 12:53
